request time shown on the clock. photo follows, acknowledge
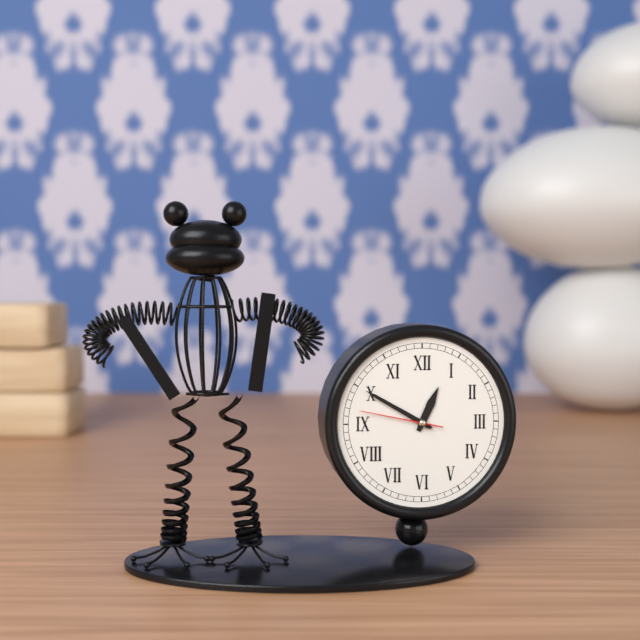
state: 12:50:47
